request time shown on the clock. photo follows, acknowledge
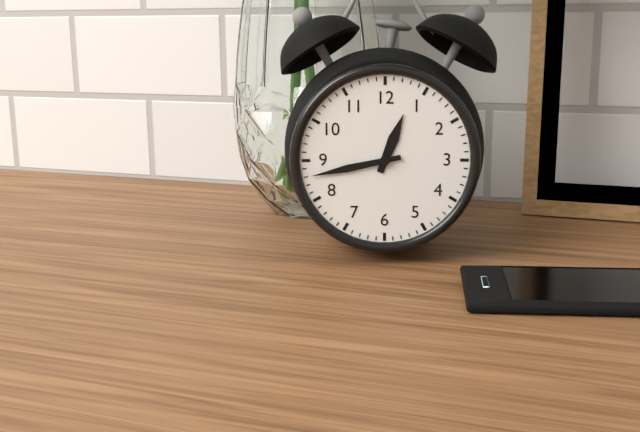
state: 12:43
